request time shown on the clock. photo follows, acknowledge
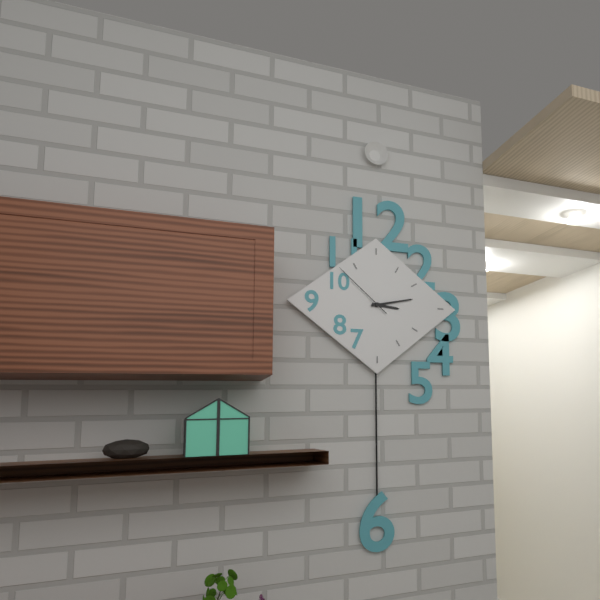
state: 3:13:52
